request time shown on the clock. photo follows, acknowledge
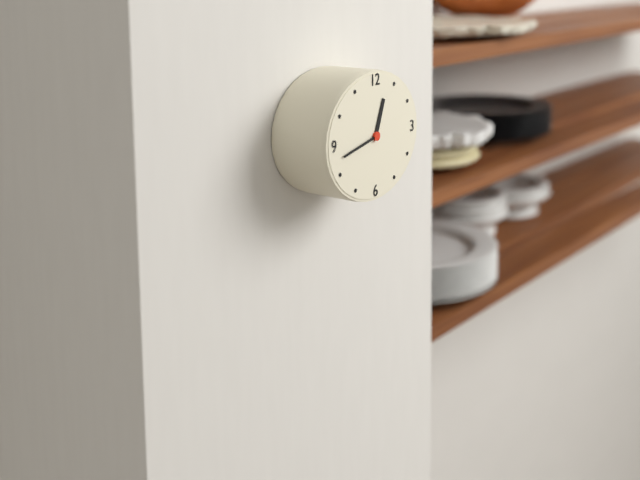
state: 12:43
